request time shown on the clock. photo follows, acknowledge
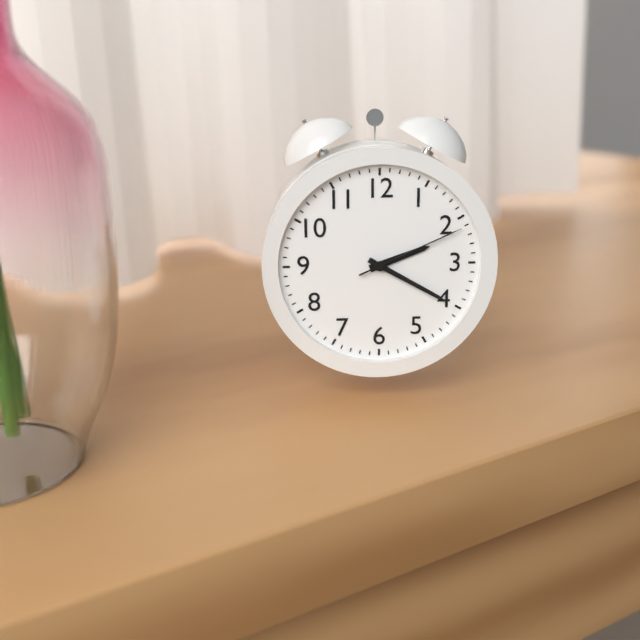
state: 2:20:11
